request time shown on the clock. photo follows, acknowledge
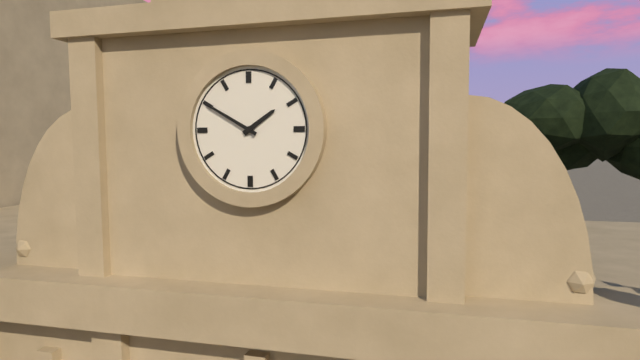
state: 1:50
